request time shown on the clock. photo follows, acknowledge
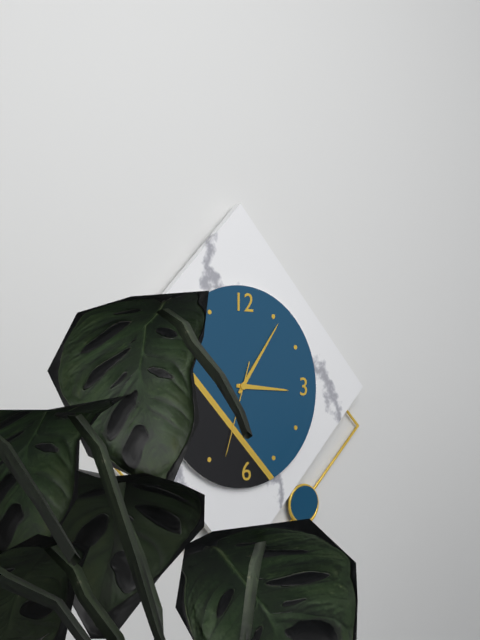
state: 3:06:33
